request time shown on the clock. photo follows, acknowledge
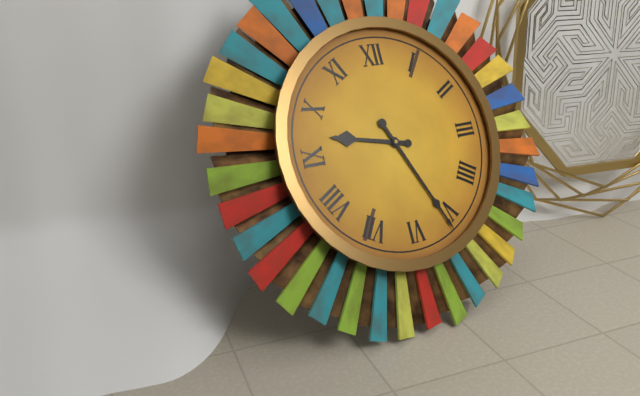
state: 9:26
